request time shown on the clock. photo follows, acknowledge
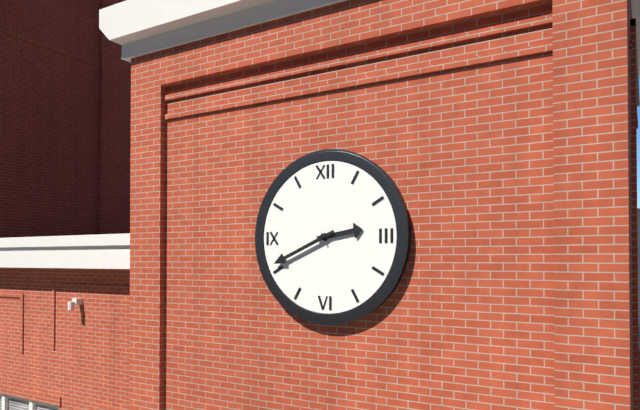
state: 2:41
